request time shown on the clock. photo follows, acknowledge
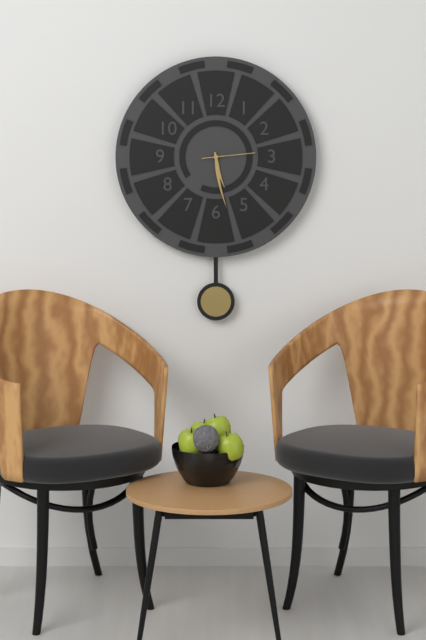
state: 5:28
